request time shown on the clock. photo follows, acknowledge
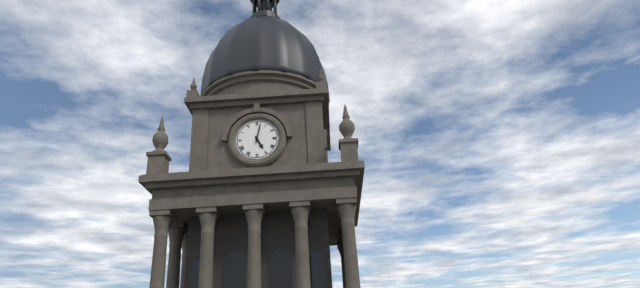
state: 5:02
